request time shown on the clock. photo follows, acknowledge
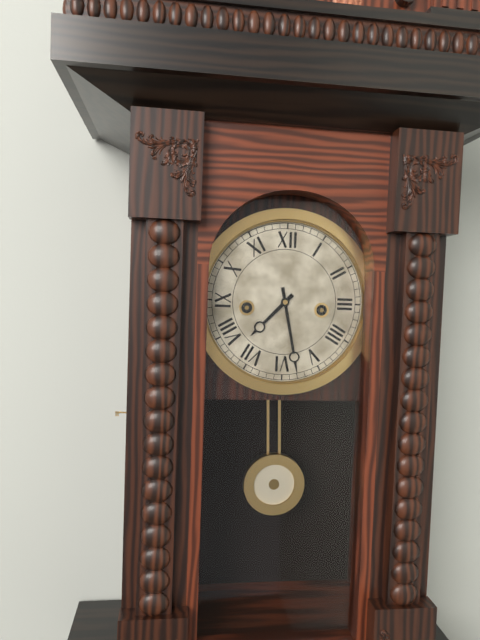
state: 7:28
